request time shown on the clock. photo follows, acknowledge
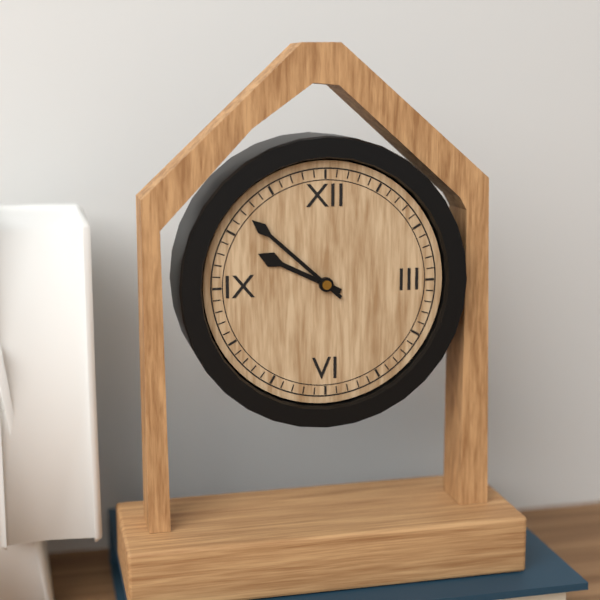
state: 9:52
